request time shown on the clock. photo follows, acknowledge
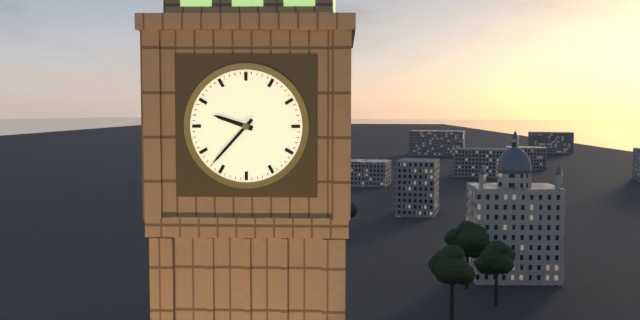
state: 9:37
